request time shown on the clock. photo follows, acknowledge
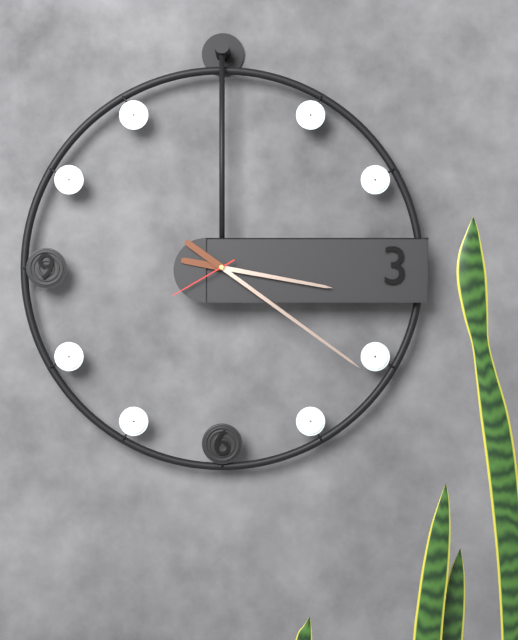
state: 3:21:40
